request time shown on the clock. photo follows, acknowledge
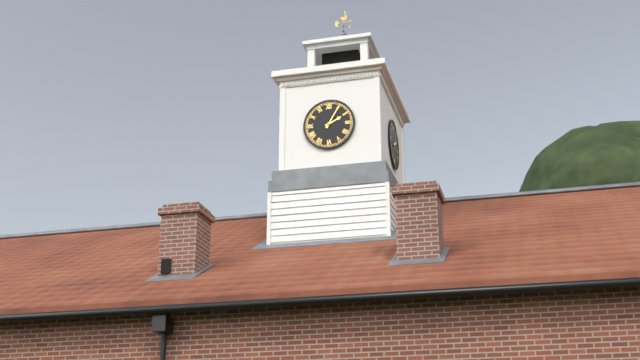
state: 2:05
